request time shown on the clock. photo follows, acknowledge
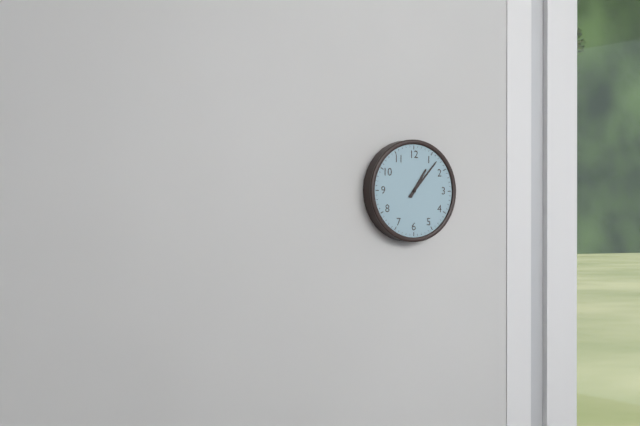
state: 1:07
